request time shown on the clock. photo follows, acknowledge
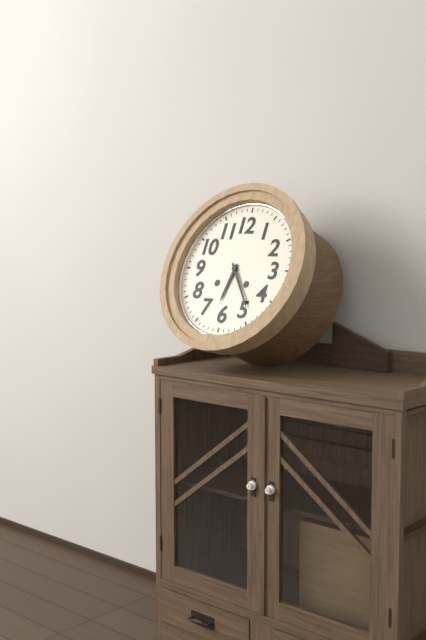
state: 6:24
